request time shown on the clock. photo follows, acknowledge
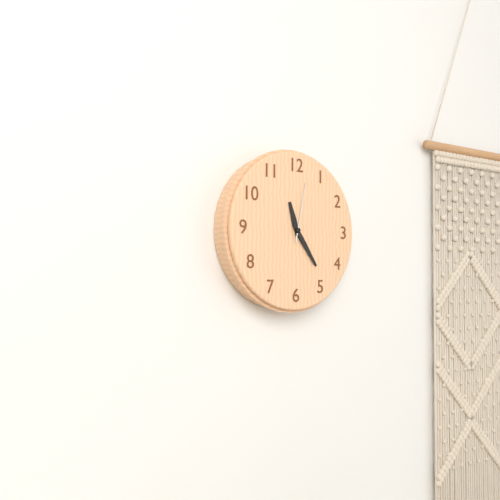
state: 11:24:02
